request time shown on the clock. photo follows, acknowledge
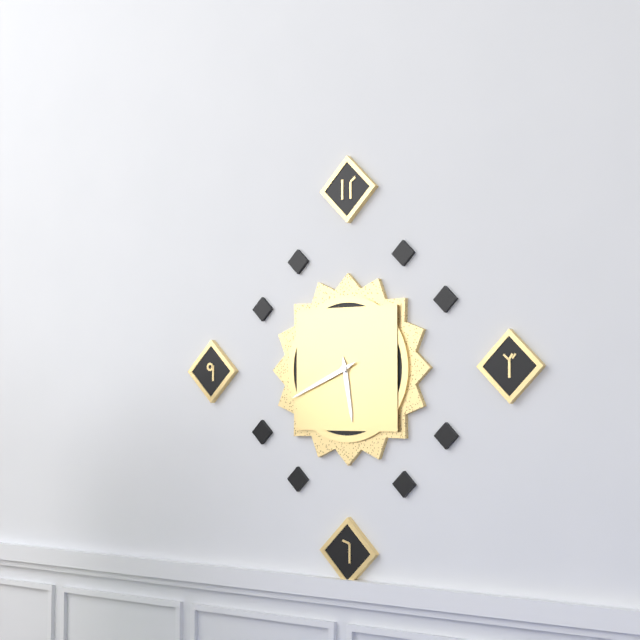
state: 5:41
